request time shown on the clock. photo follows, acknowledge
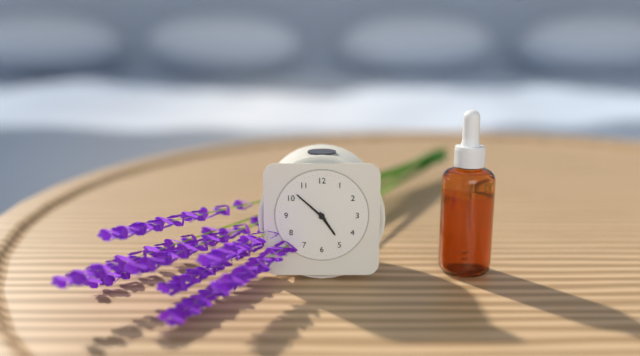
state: 4:52
